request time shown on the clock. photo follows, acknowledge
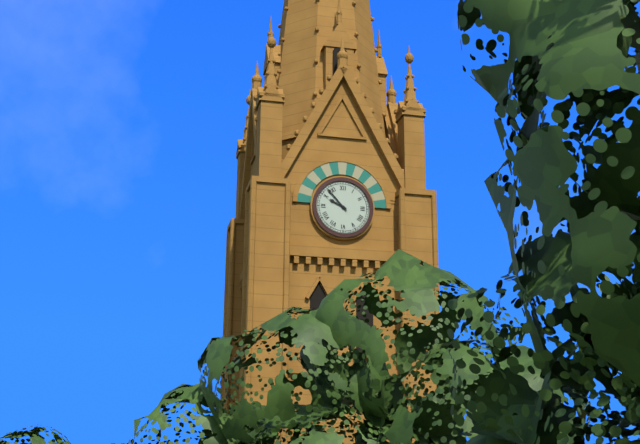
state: 9:53
